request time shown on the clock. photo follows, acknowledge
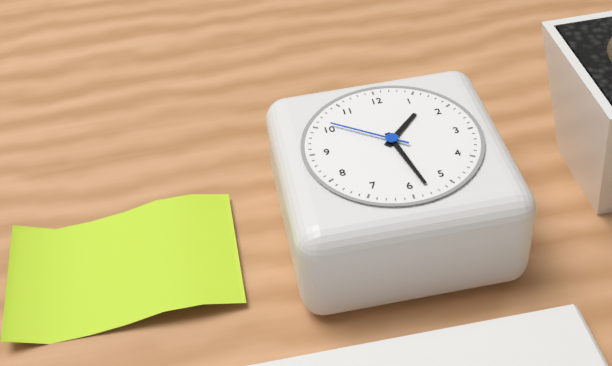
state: 1:28:51
